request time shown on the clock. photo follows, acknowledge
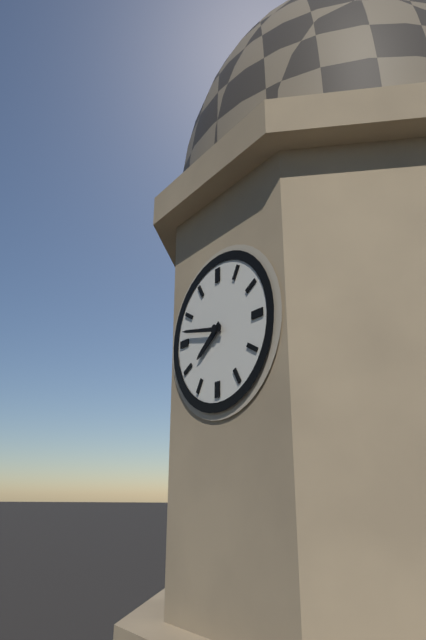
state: 7:47
